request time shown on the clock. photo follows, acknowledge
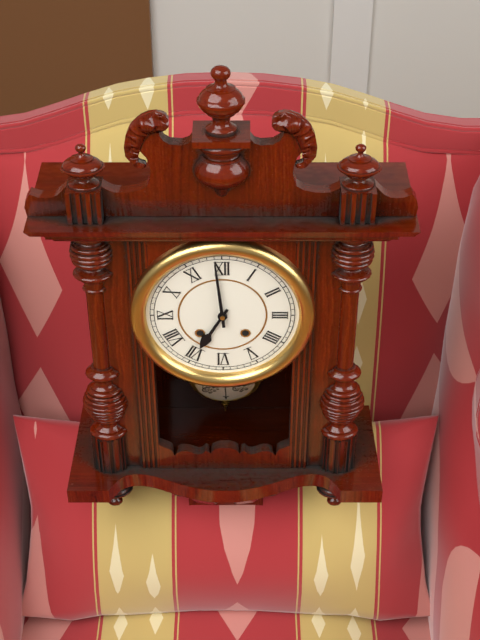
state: 6:59
